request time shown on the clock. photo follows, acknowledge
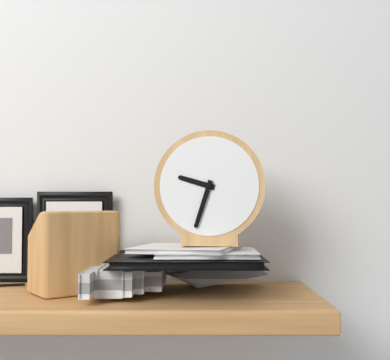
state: 9:33
